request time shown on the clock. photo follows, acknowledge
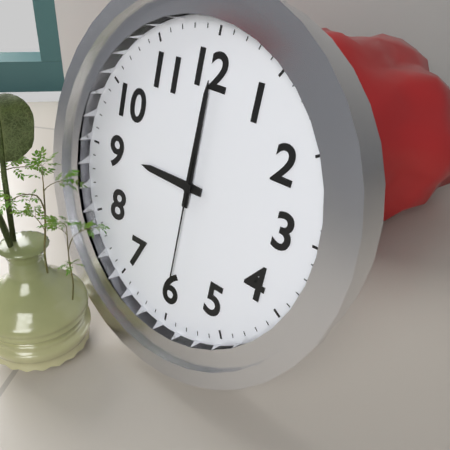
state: 9:00:30
